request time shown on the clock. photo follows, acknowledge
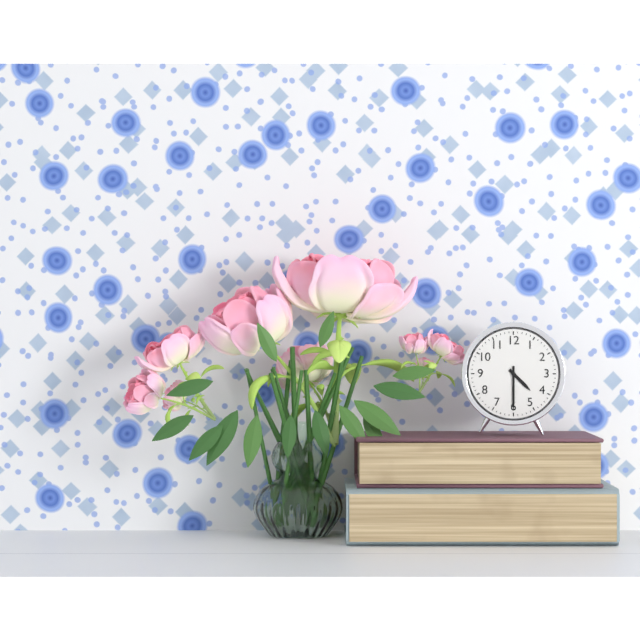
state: 4:30
